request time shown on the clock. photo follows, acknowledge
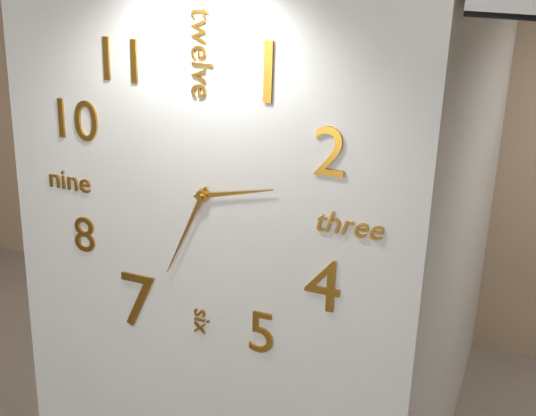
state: 2:34
